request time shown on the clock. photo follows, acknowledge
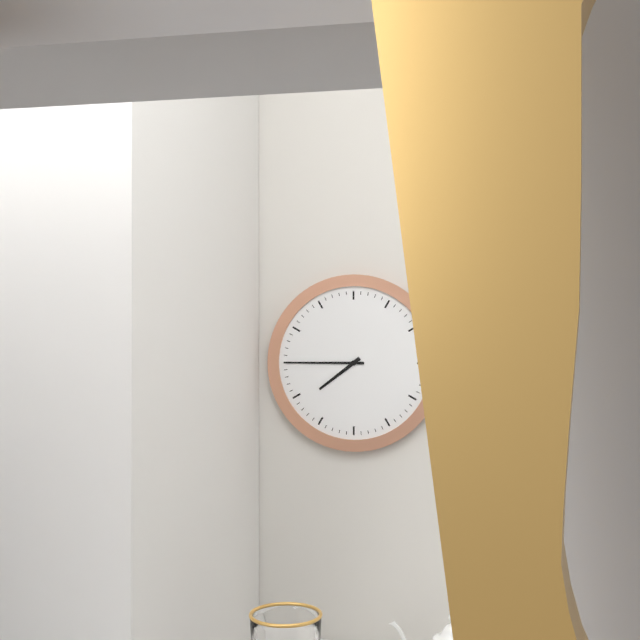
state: 7:45
